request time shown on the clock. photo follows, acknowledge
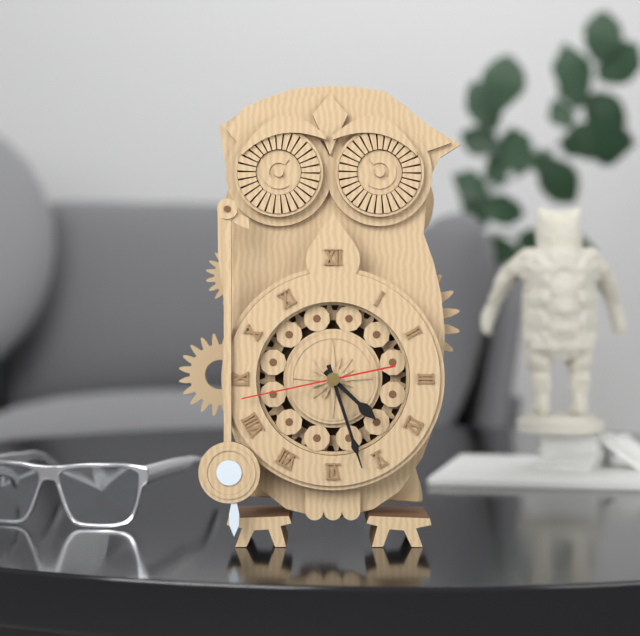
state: 4:27:43
